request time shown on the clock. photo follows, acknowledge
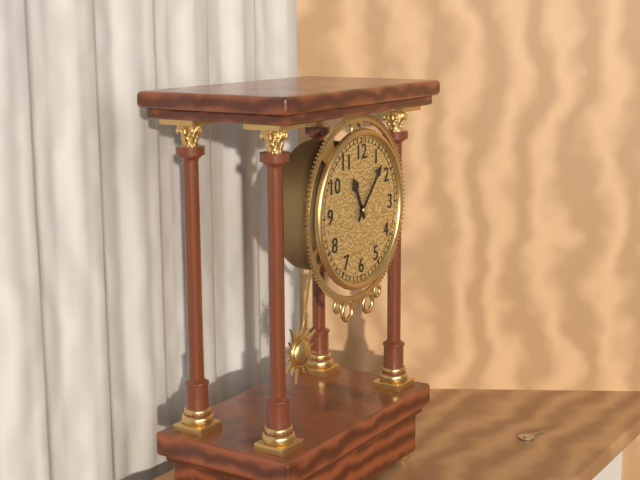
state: 11:07
